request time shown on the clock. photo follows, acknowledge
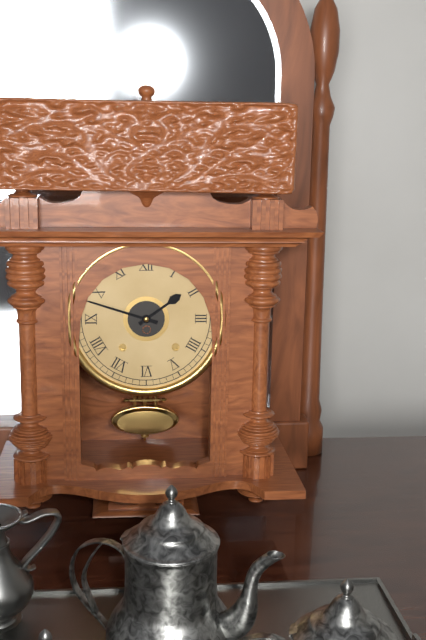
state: 1:48
